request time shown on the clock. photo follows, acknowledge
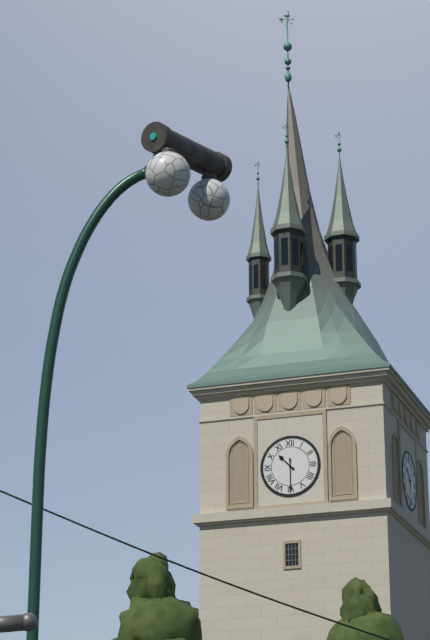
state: 10:30
